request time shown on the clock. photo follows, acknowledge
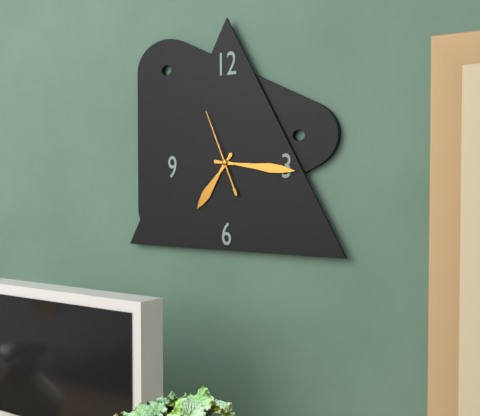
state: 7:16:56
